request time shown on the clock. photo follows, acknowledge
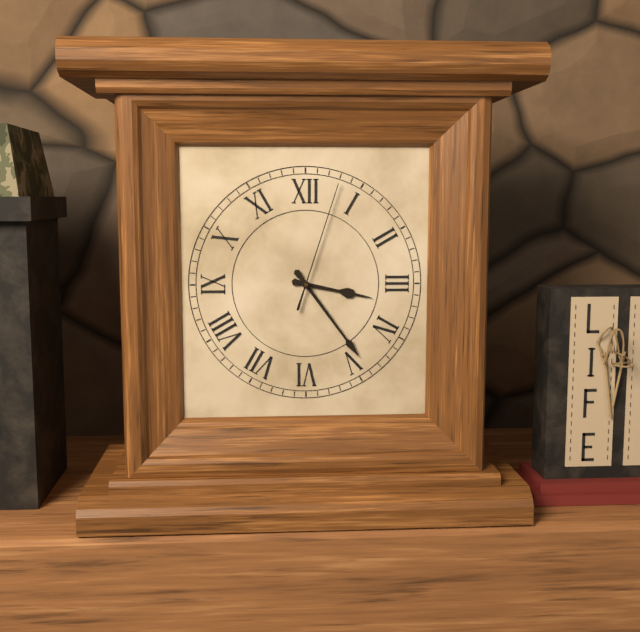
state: 3:24:03
